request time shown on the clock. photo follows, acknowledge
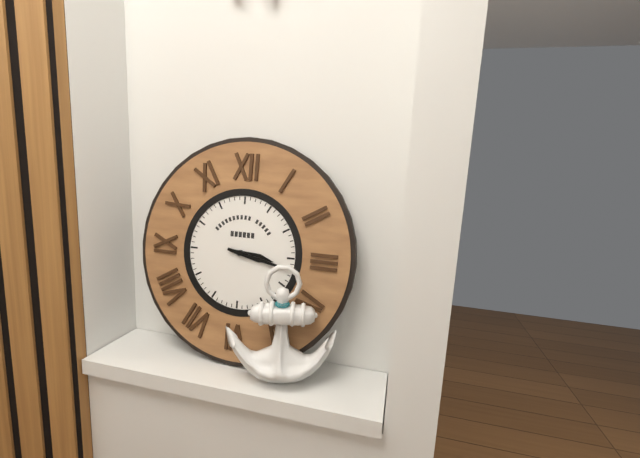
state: 3:17
